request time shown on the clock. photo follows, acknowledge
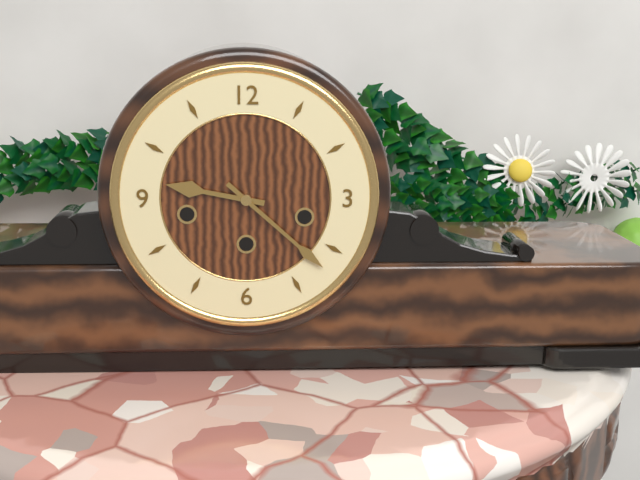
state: 9:22
